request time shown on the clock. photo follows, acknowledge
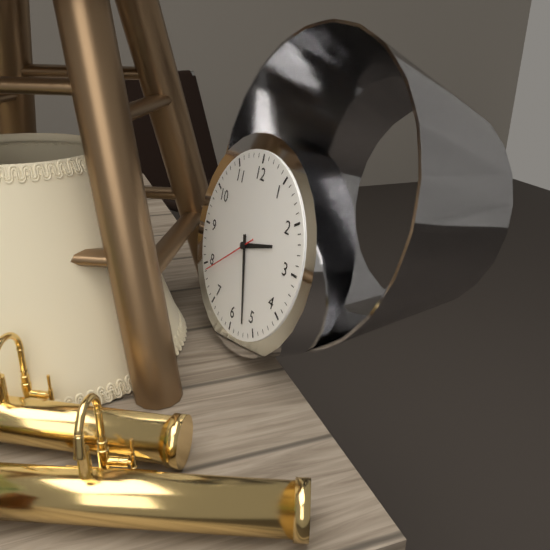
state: 2:27:39
